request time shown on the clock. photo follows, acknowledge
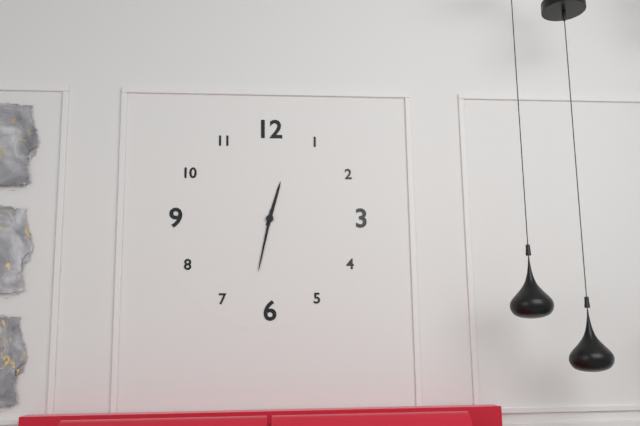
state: 12:32
